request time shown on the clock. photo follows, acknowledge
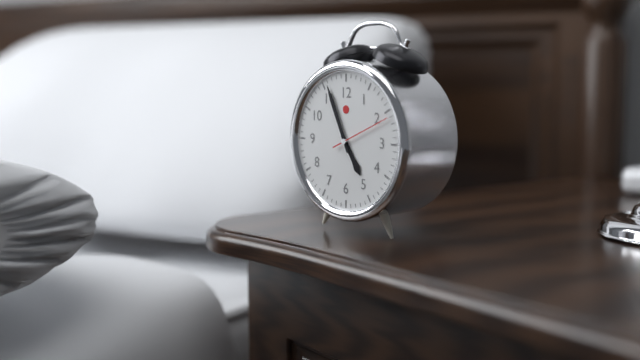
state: 4:56:11
